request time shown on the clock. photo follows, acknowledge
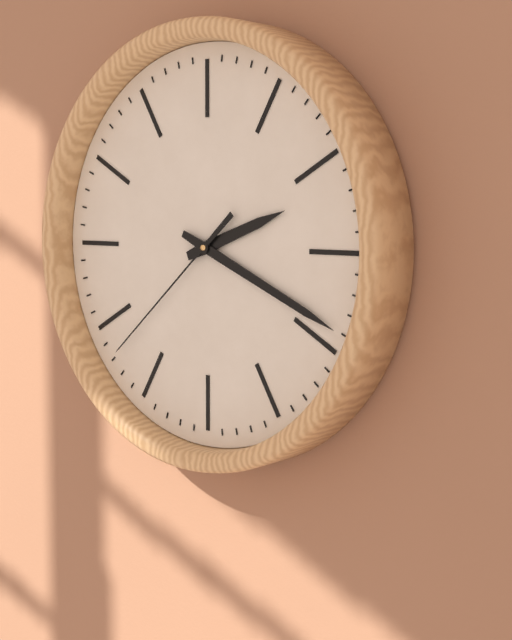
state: 2:19:38
